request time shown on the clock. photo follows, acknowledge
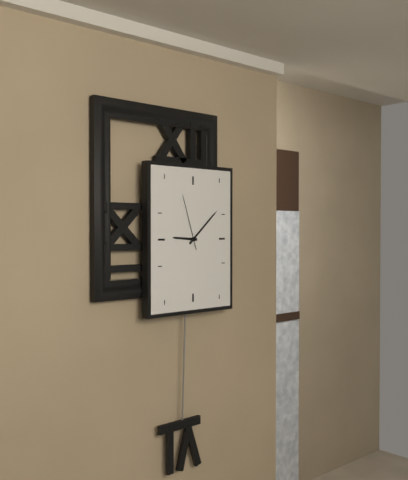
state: 9:08:57
